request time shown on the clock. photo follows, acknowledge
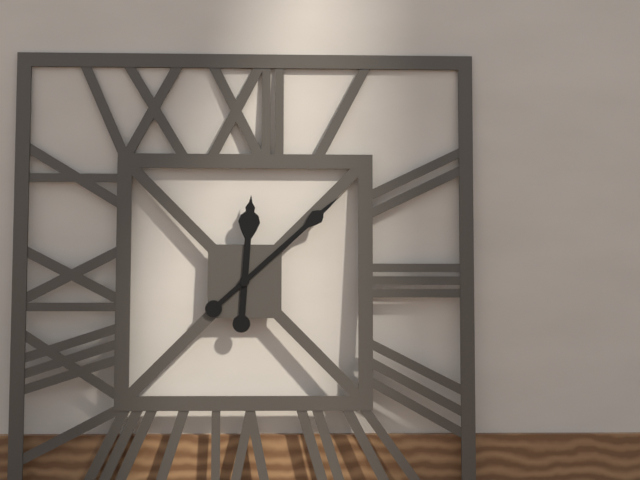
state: 12:08
